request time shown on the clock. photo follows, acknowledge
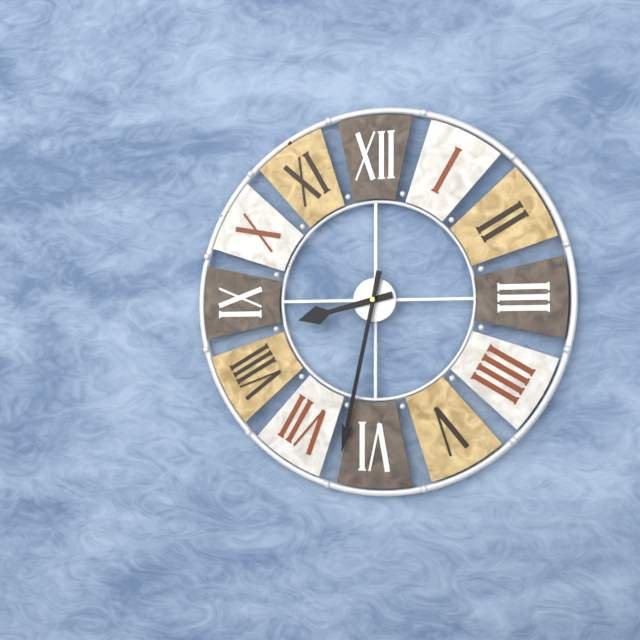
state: 8:32
